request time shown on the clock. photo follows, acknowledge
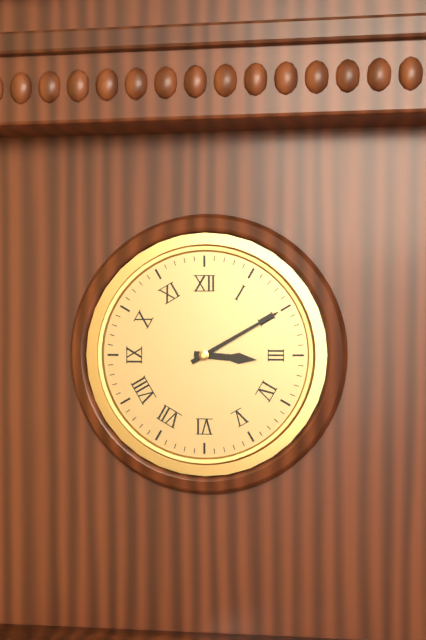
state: 3:10
